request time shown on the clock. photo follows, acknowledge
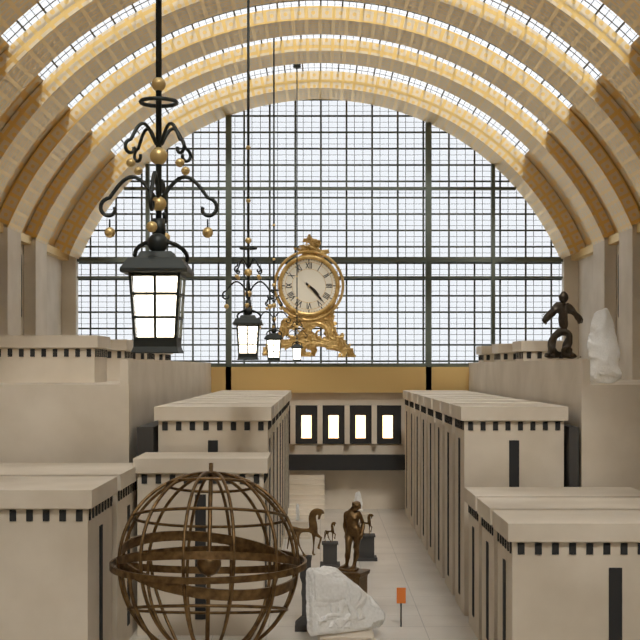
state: 4:23
